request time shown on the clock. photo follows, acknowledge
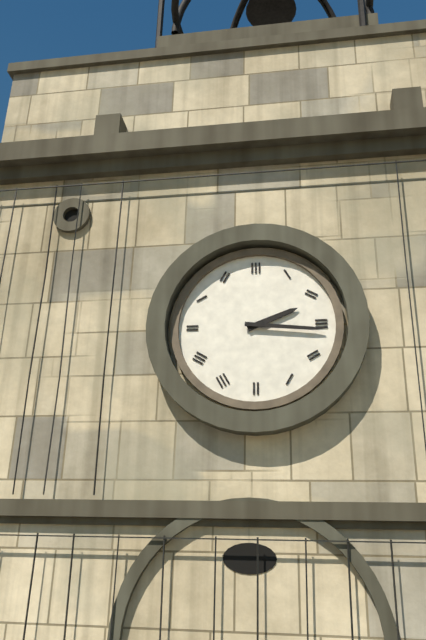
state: 2:16
